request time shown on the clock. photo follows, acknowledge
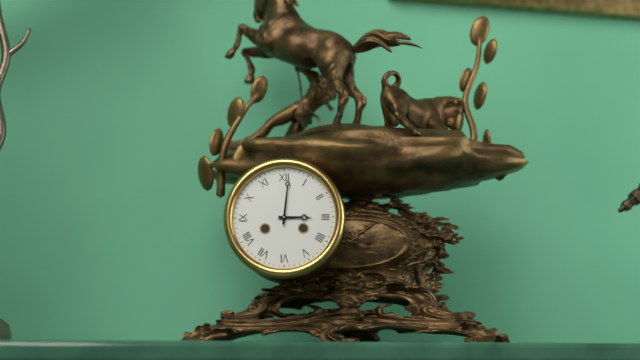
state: 3:01
